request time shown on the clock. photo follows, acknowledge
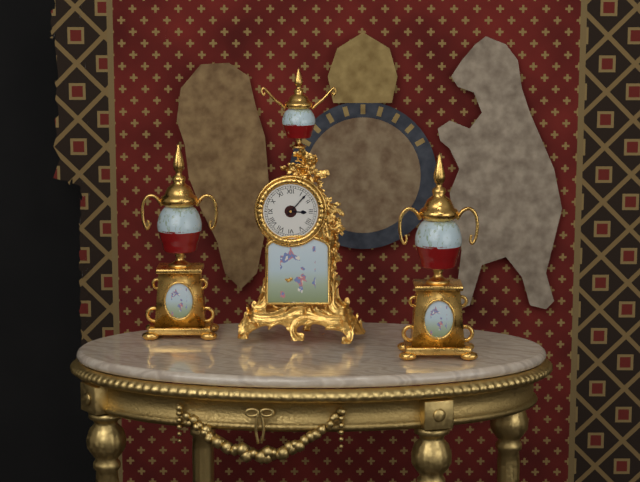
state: 3:07
